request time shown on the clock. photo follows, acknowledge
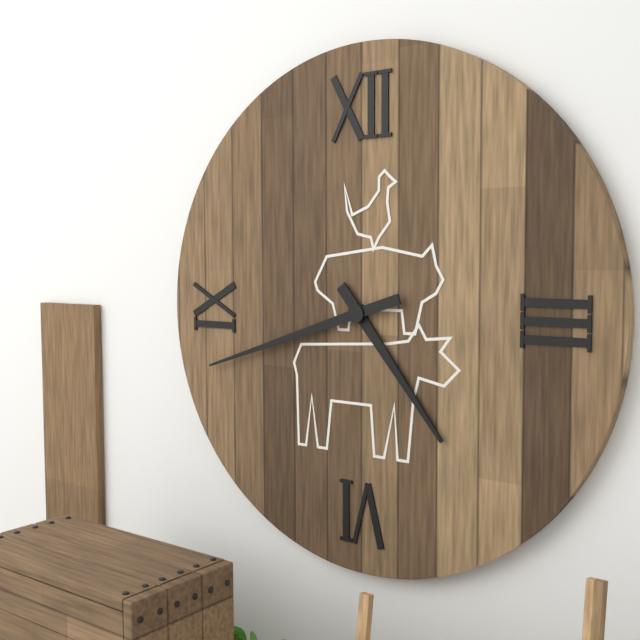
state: 4:42
